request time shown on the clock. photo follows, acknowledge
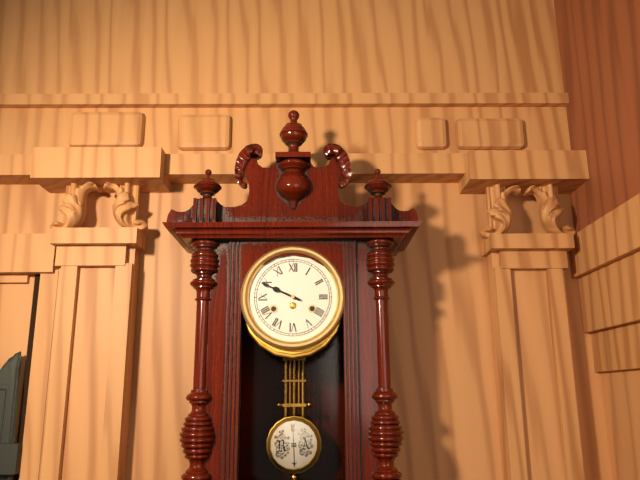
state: 9:49
